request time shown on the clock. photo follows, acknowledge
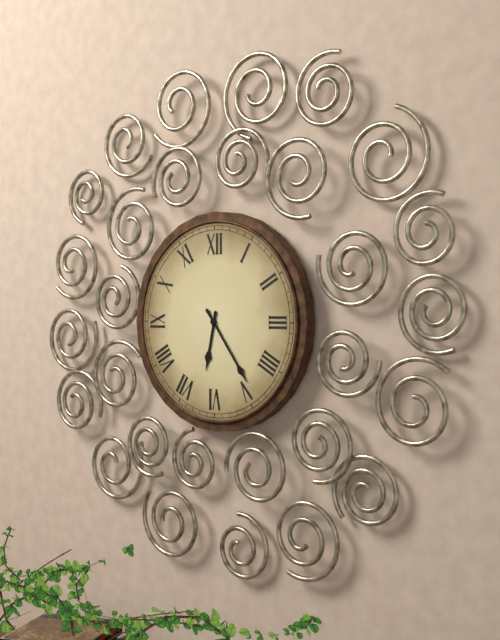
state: 6:24
